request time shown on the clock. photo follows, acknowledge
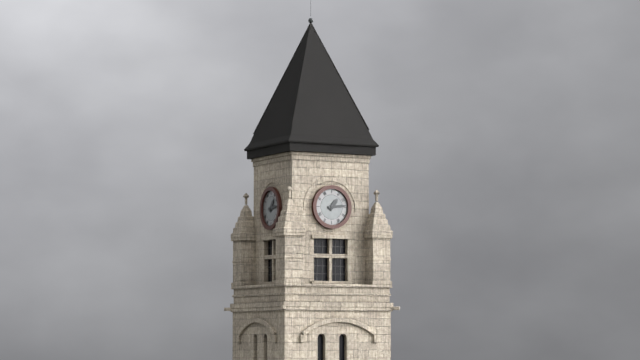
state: 1:14
